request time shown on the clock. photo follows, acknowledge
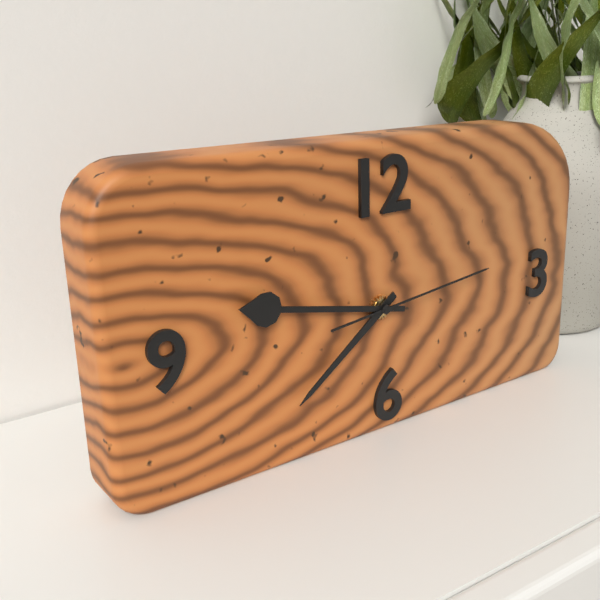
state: 7:47:14
